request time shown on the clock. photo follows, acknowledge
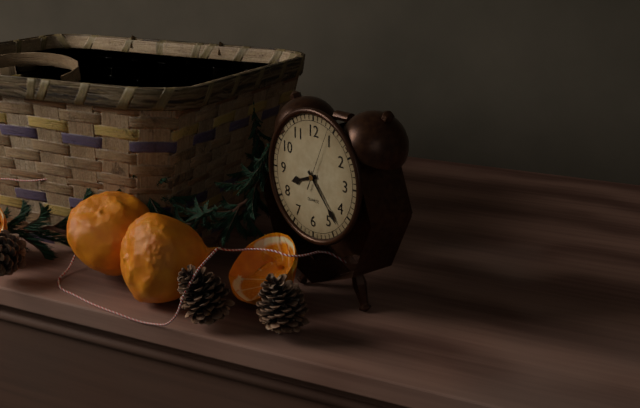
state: 8:23:04
